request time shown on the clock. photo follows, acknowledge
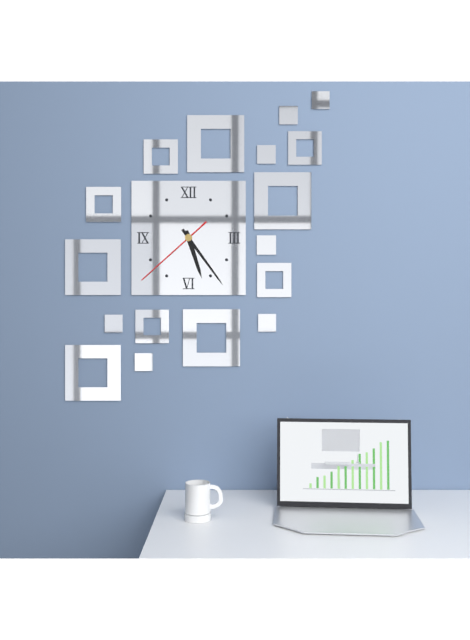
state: 5:24:38
